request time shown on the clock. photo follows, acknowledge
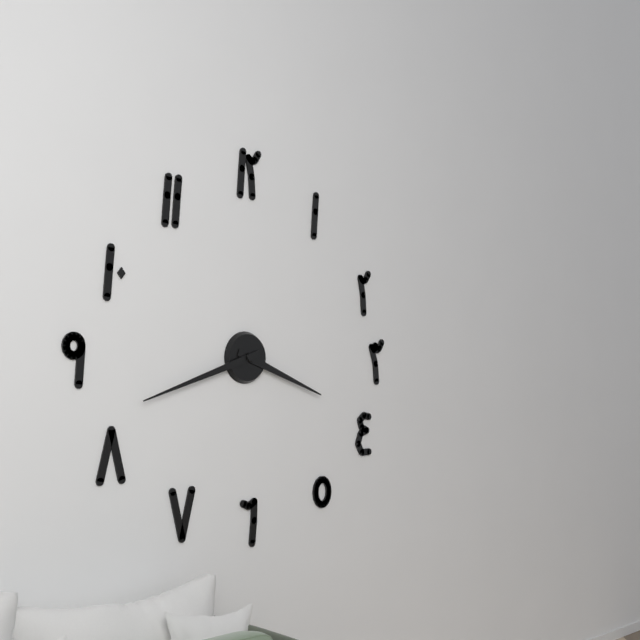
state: 3:42
